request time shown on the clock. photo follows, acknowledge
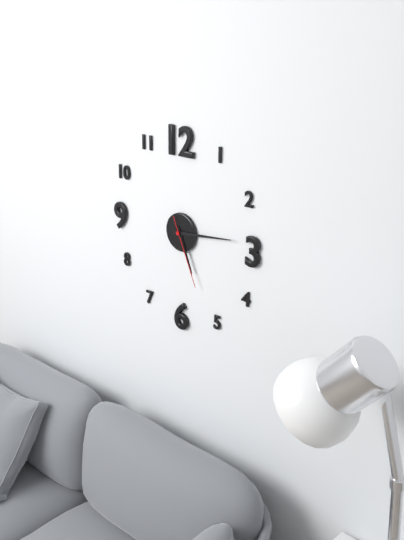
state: 5:14:26
